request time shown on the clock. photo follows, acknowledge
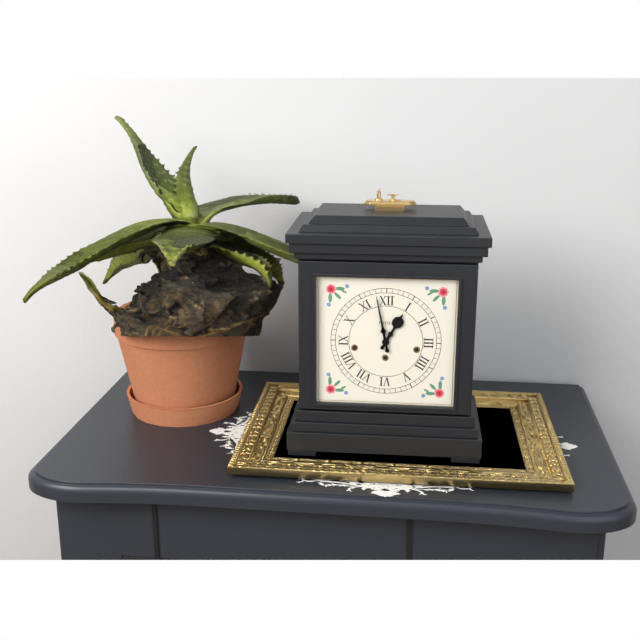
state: 12:58
